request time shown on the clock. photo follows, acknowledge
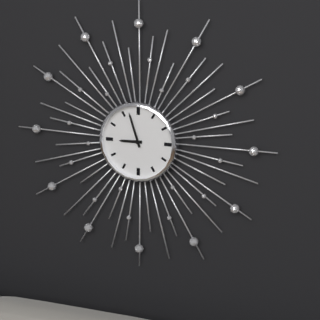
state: 8:57
